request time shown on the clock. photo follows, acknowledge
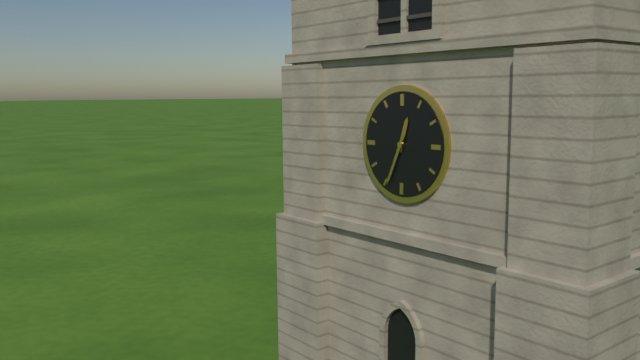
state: 12:34
